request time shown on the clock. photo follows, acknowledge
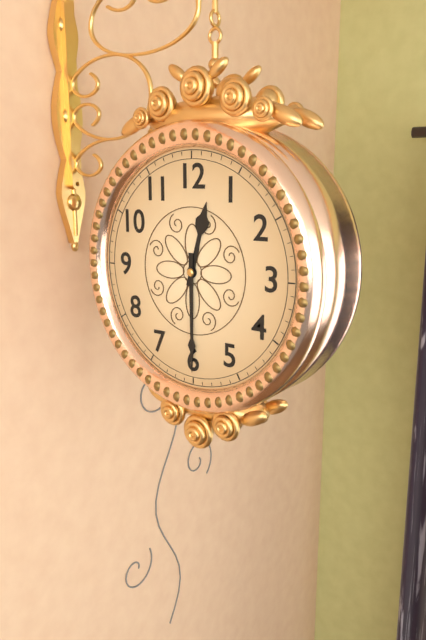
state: 12:30
